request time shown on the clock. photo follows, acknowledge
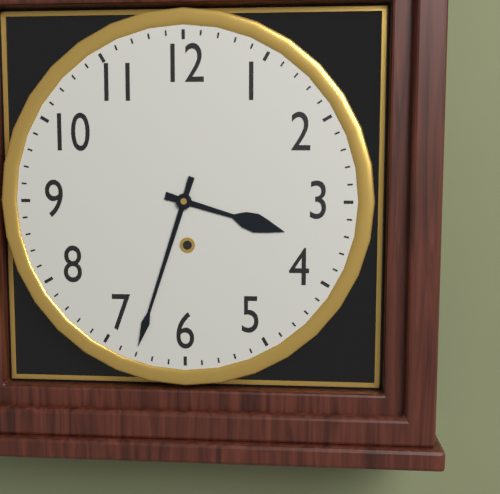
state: 3:33
